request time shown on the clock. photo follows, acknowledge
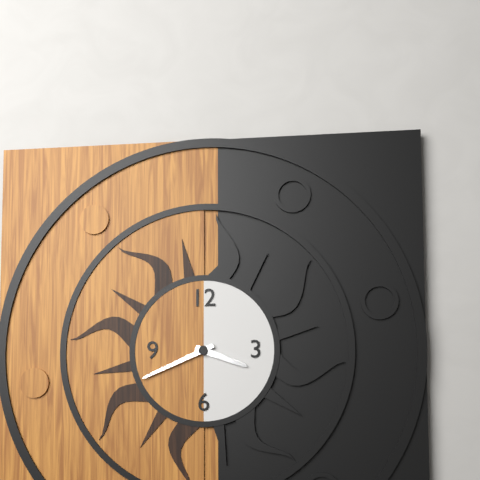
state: 3:41
